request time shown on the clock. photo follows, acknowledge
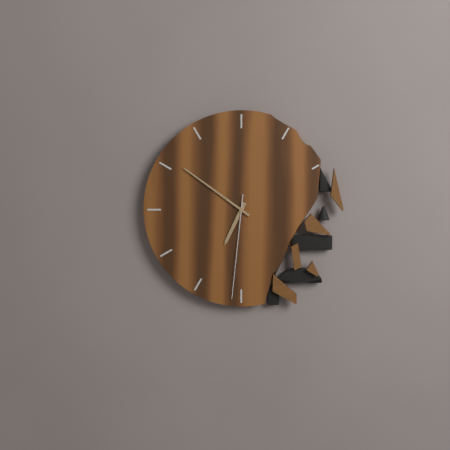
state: 6:51:31
